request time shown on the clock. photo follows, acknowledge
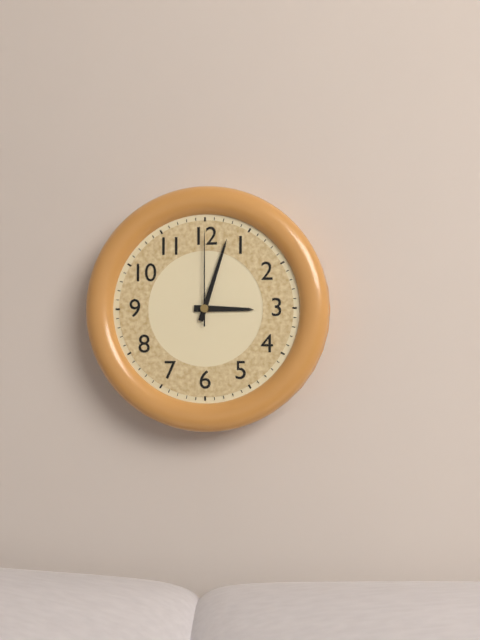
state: 3:03:00
